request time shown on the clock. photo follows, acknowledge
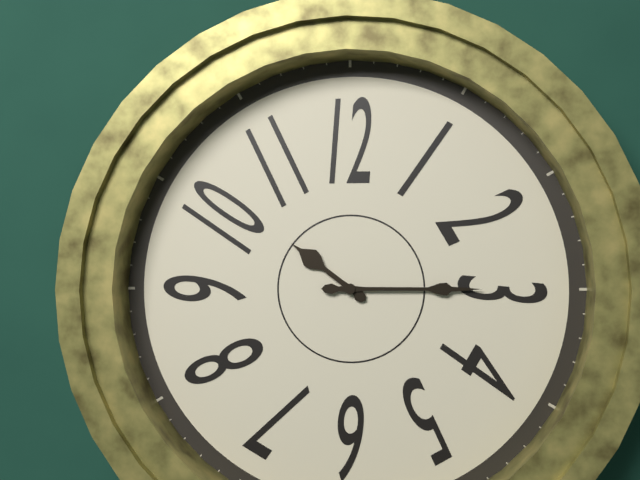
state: 10:15
